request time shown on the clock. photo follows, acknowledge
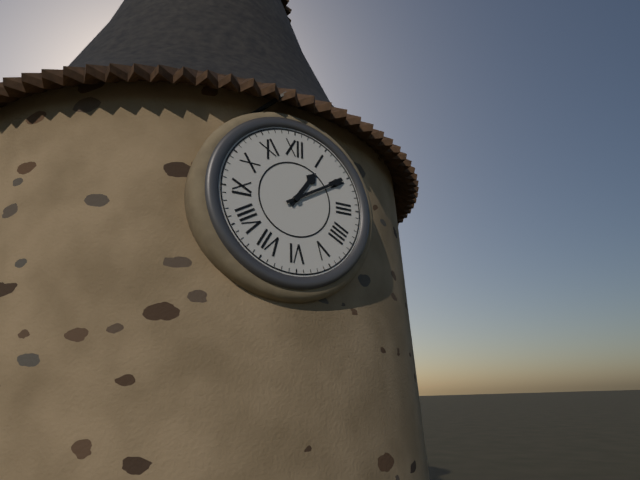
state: 1:10
